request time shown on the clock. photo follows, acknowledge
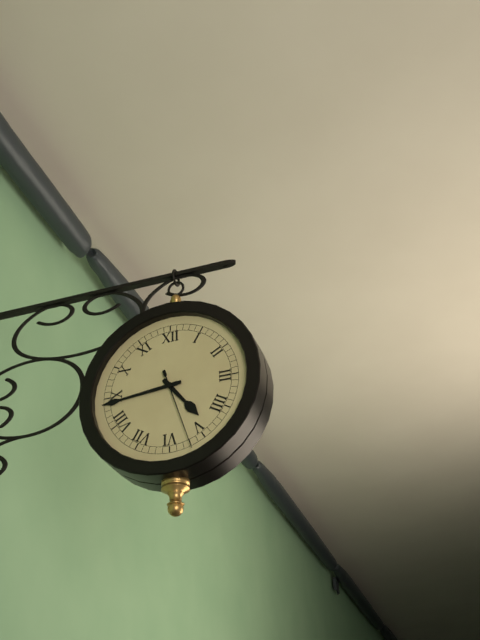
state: 4:44:27
